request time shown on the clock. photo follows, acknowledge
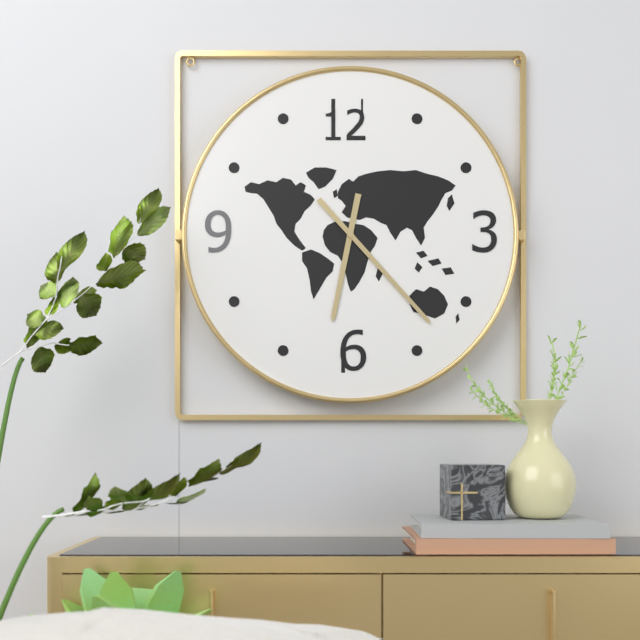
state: 6:23
